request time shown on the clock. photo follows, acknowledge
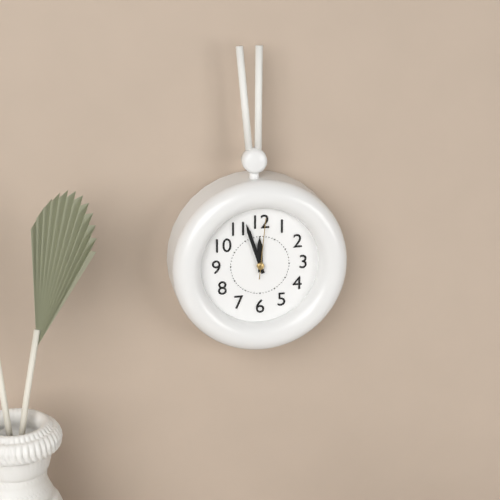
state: 11:57:01
